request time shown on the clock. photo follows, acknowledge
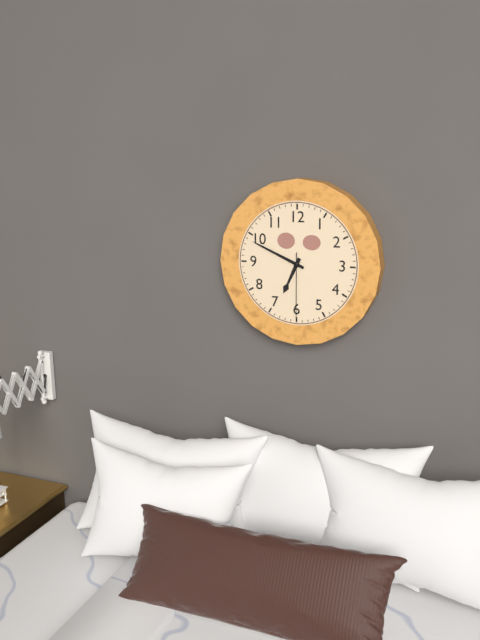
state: 6:49:30
